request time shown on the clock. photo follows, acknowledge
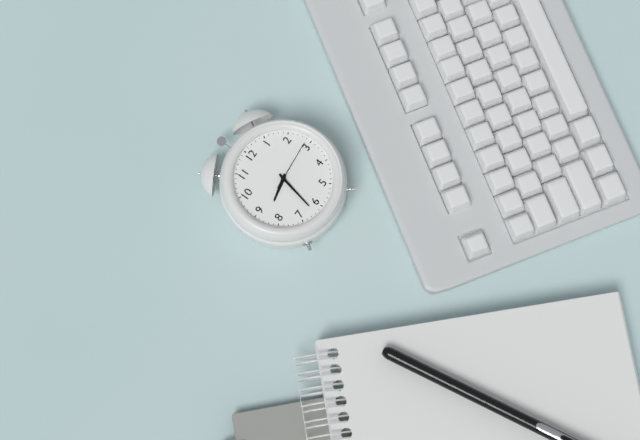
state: 8:32:14
